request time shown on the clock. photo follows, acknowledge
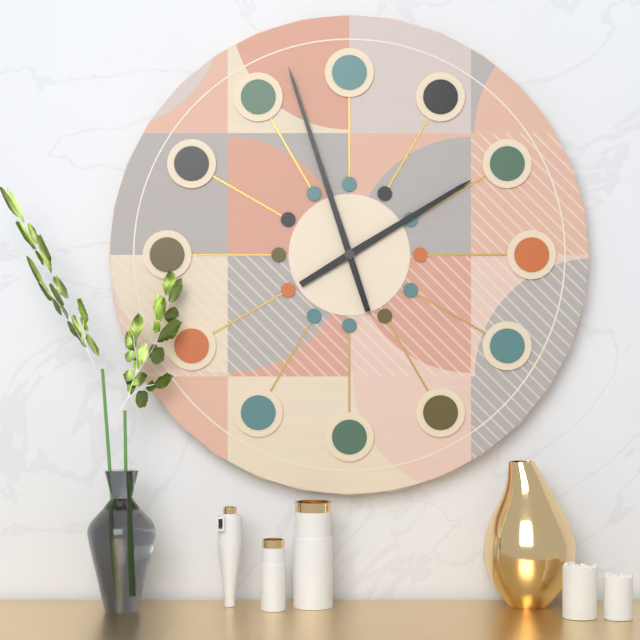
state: 1:57
